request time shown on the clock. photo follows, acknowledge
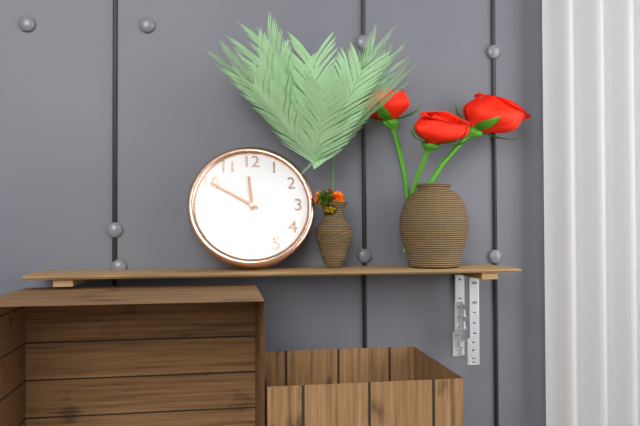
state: 11:50
